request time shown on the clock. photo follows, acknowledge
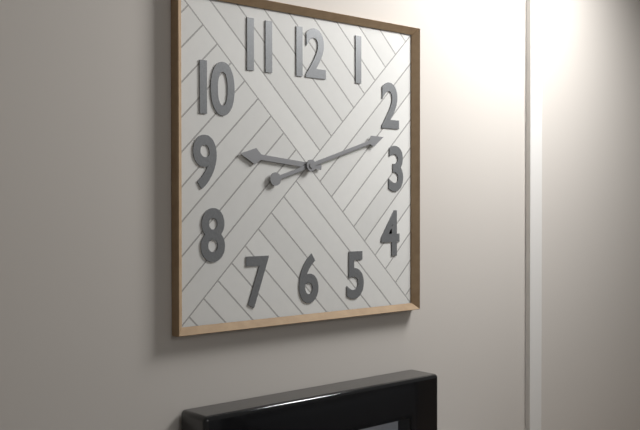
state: 9:12
